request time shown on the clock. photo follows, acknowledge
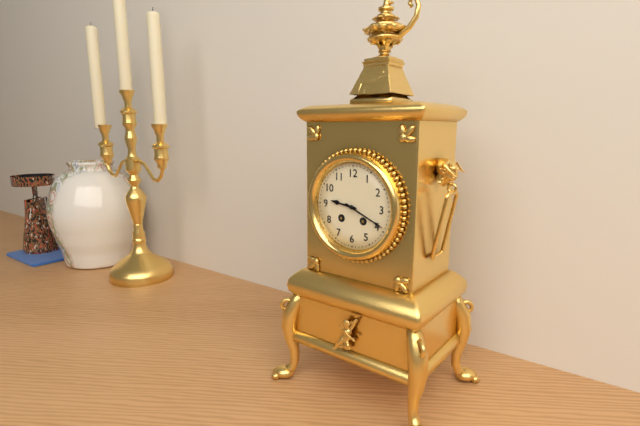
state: 9:19
